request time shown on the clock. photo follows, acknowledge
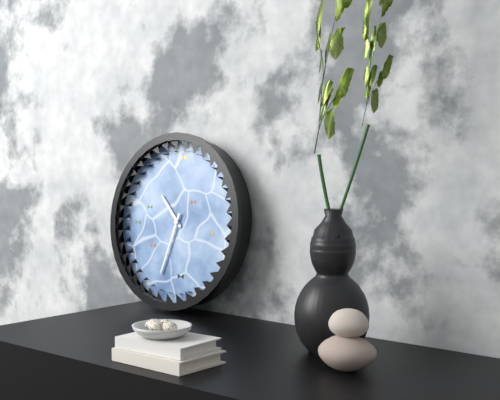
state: 10:33
